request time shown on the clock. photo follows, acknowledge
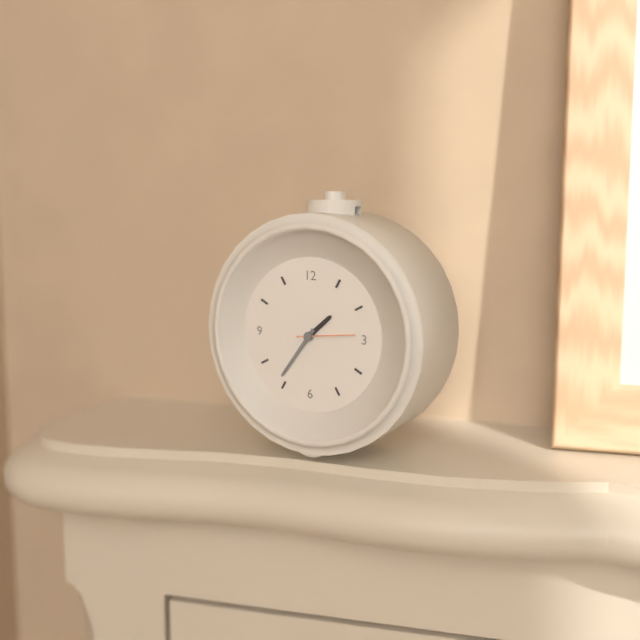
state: 1:36:14
